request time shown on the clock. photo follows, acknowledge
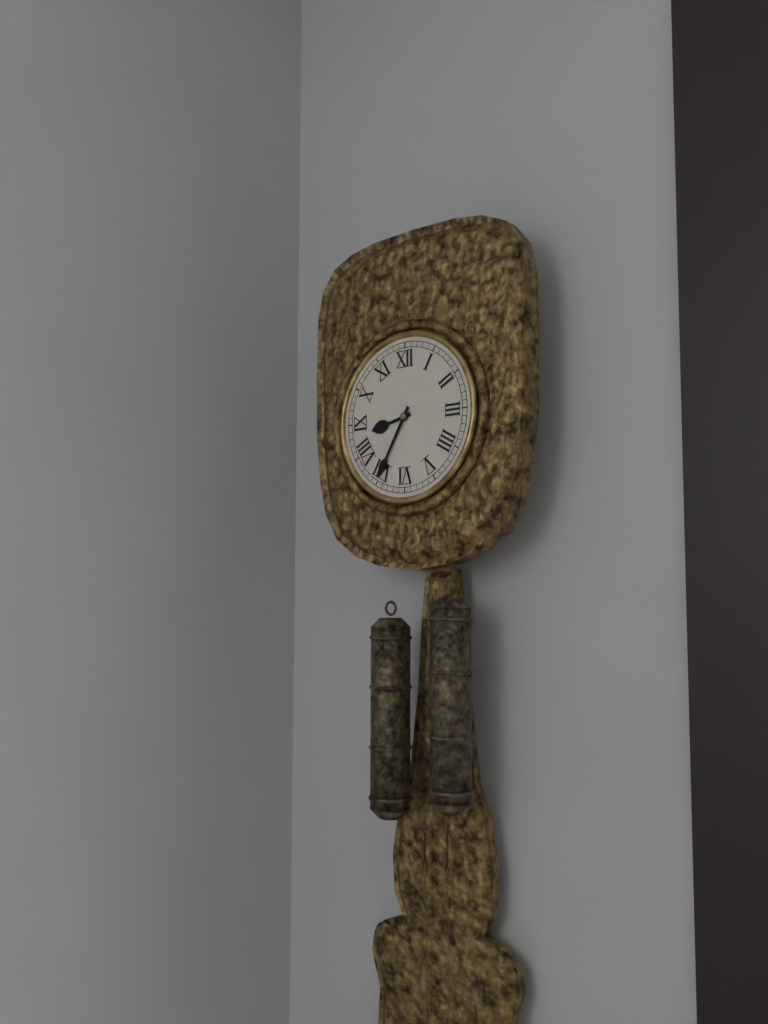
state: 8:35
